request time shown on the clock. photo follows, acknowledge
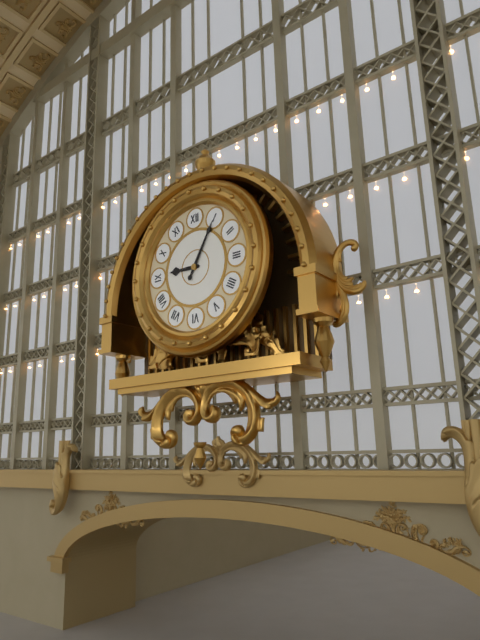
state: 9:05
